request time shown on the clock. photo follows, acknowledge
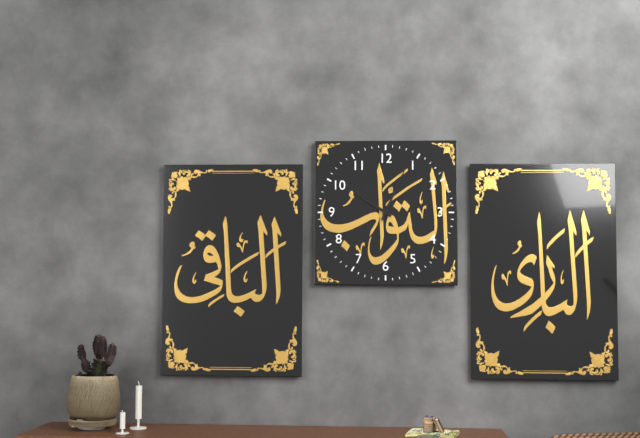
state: 10:04
